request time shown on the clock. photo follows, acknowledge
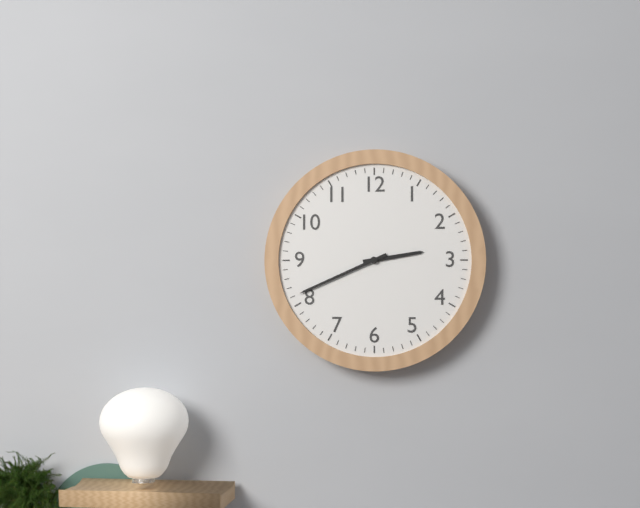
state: 2:41
